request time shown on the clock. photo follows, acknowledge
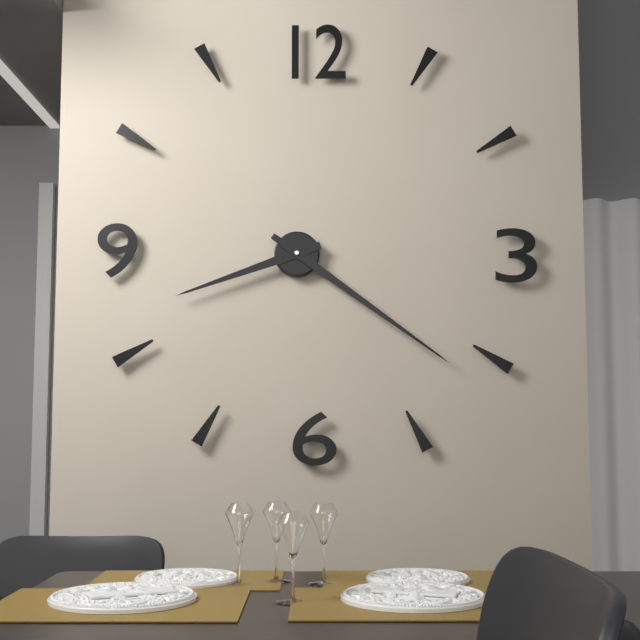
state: 8:21
